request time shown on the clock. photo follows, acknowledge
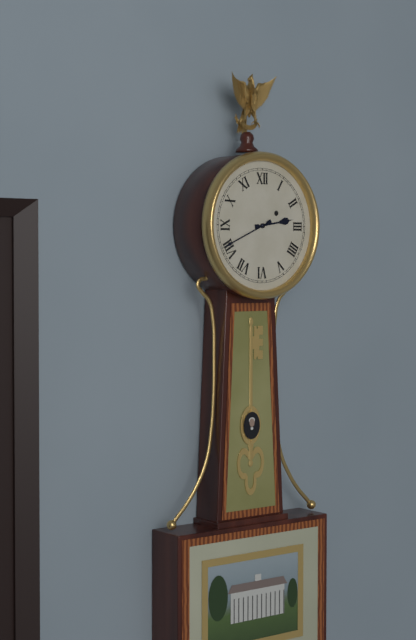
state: 2:41
